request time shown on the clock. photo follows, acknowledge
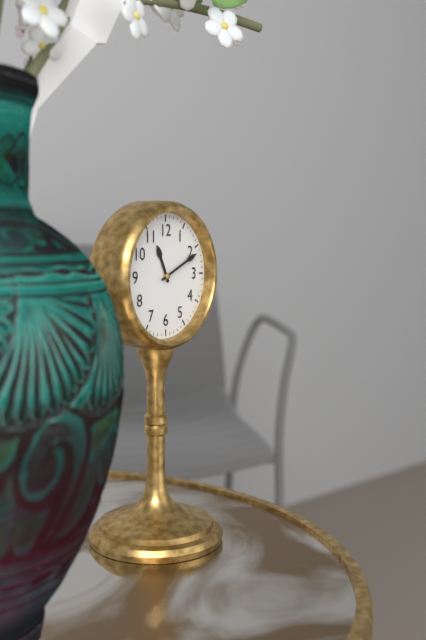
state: 11:11
